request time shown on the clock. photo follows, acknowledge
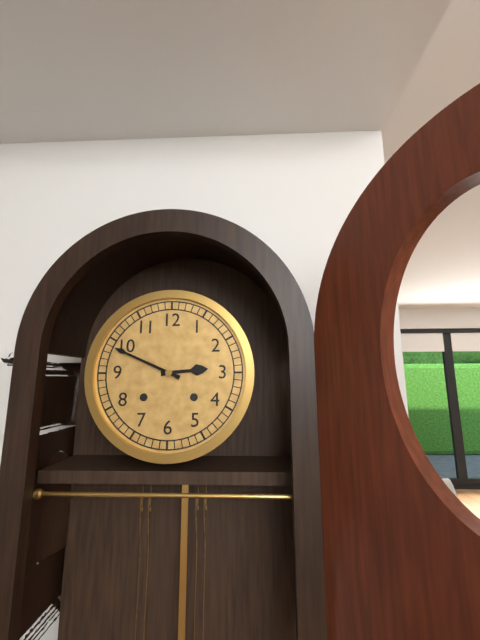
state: 2:49
